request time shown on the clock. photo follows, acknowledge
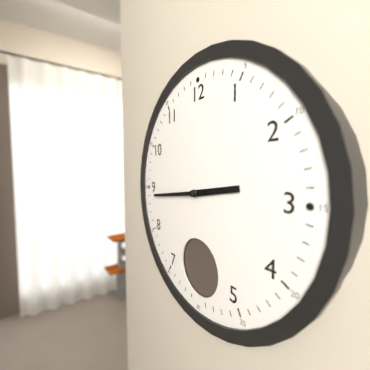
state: 2:44
